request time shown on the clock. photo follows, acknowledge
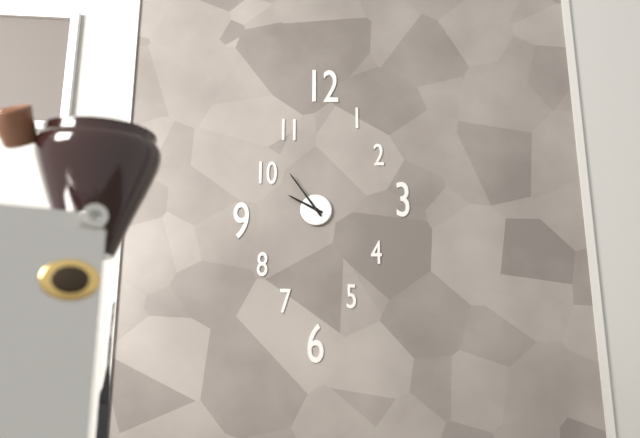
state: 9:54
